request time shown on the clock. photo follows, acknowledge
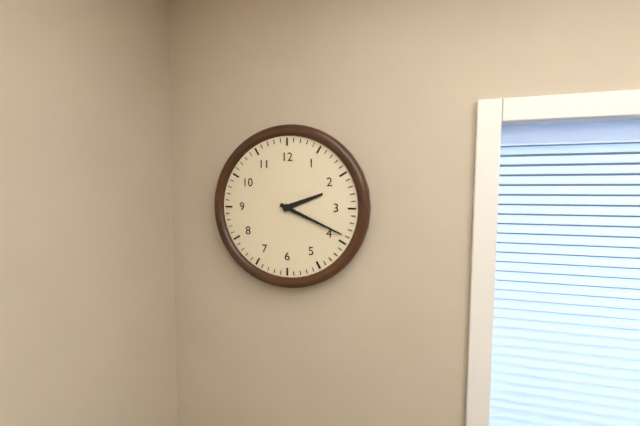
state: 2:19
